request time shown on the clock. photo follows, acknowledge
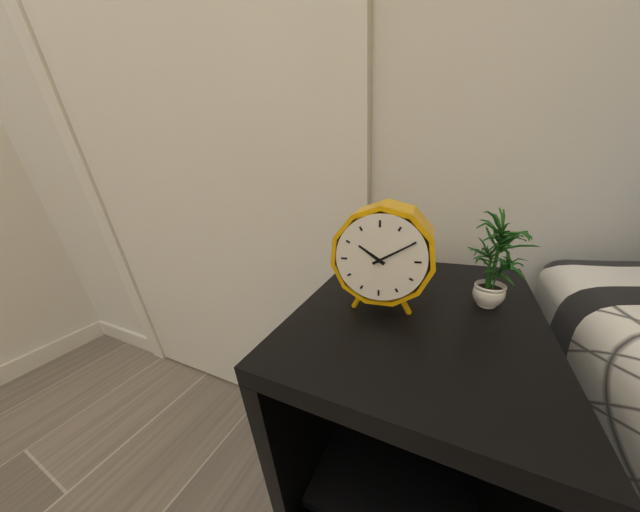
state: 10:10
